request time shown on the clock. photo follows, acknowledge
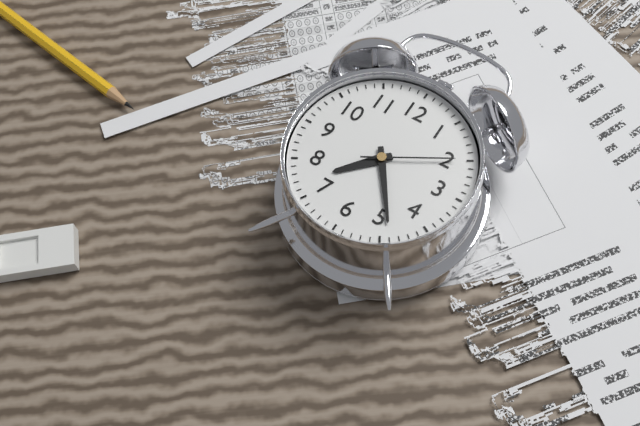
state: 7:24:10
